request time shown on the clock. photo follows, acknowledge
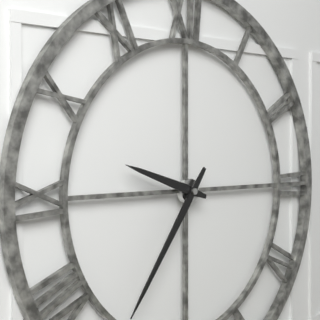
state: 9:36
